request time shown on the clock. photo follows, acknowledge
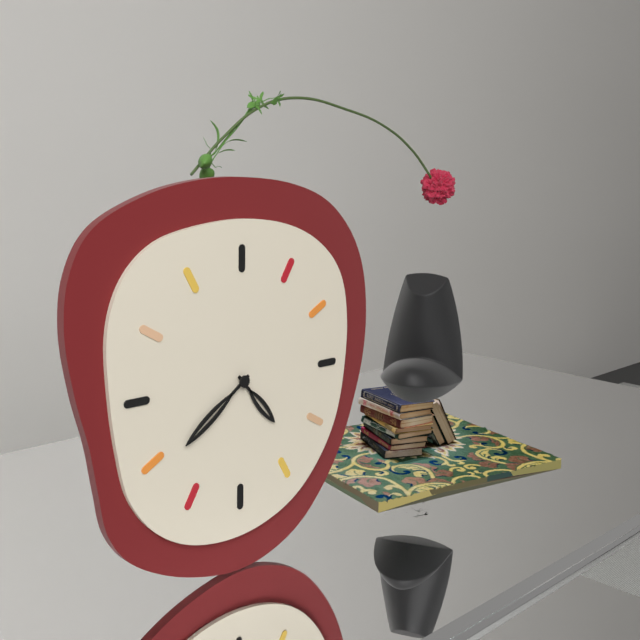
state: 4:39
